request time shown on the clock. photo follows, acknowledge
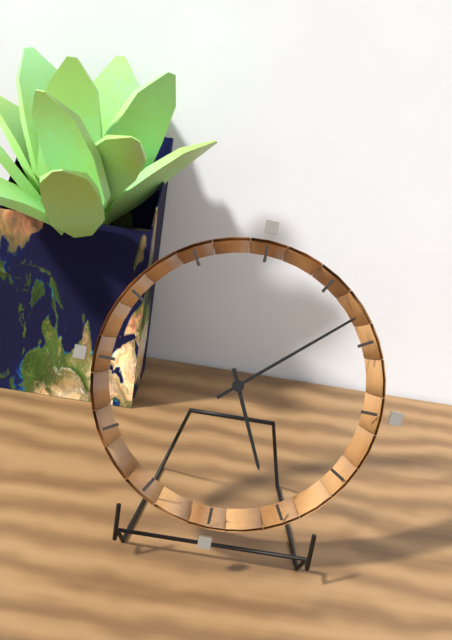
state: 5:08
